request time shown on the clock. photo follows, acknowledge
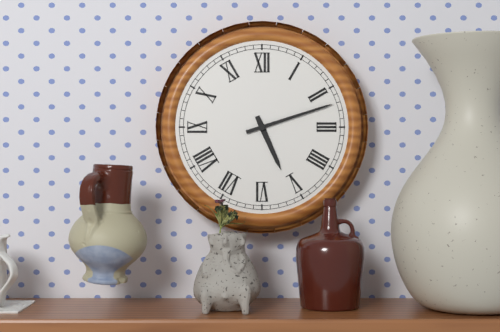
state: 5:12
